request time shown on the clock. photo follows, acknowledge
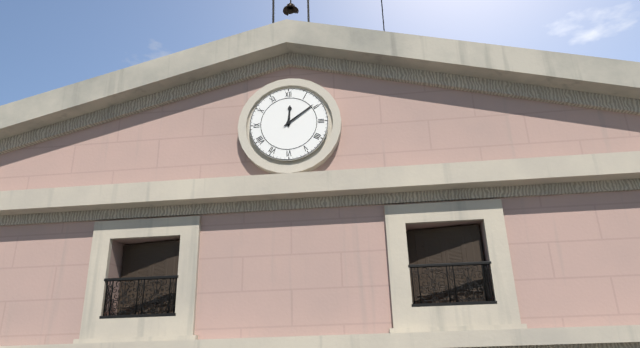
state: 12:09
